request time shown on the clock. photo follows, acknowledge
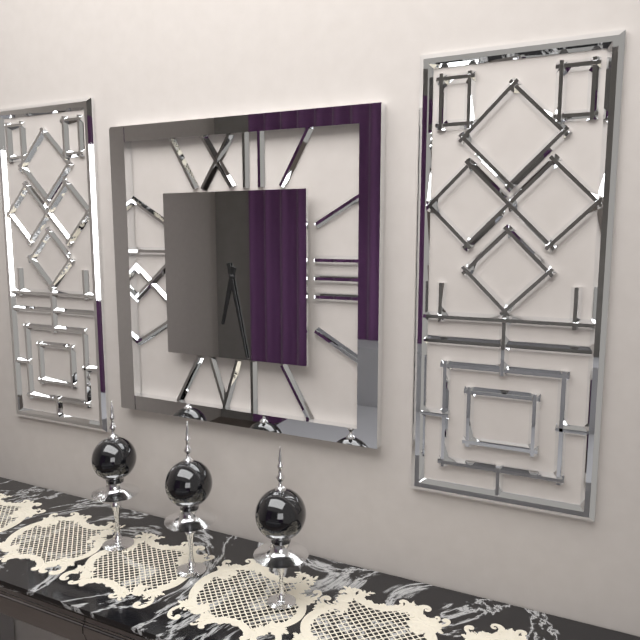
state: 6:28
